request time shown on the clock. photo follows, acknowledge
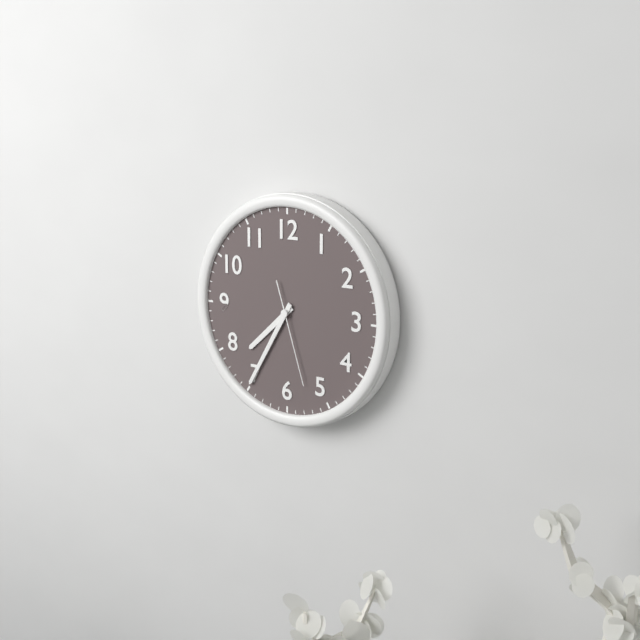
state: 7:35:27
